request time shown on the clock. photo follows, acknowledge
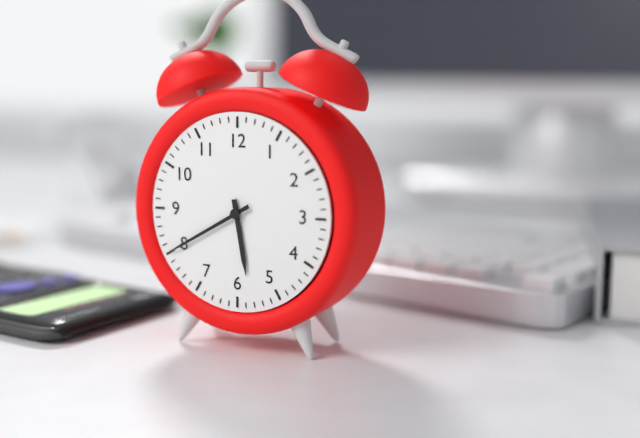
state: 5:40
